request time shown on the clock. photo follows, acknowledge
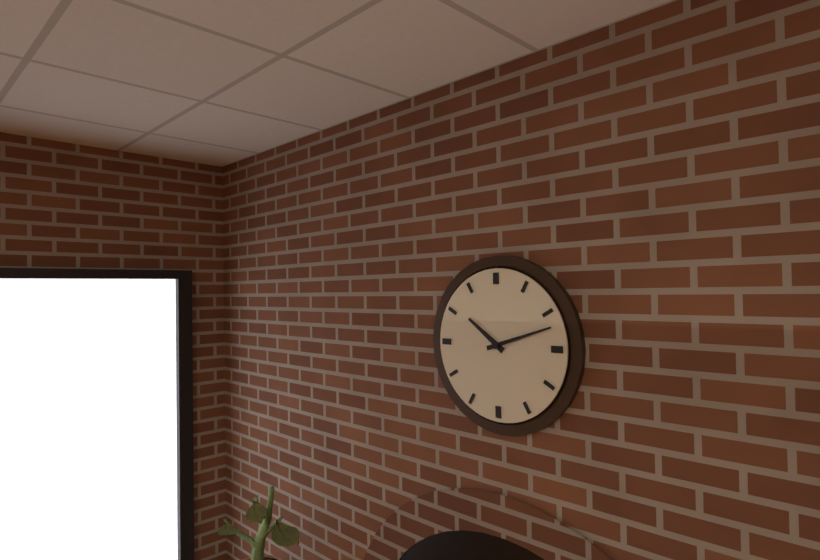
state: 10:12
